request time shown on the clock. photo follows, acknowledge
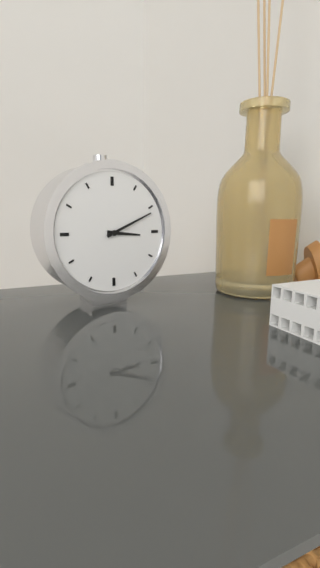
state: 3:11
